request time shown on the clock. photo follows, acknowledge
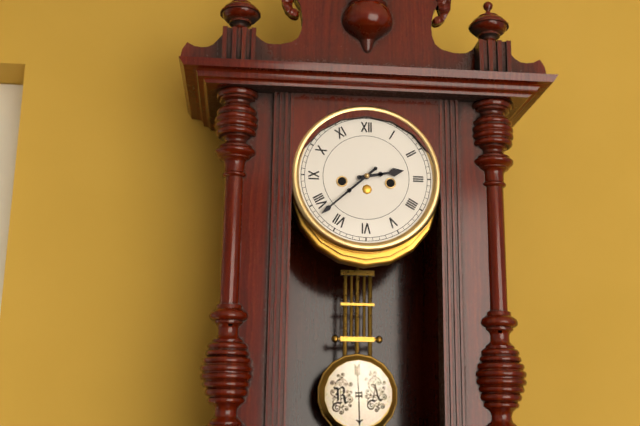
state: 2:38
